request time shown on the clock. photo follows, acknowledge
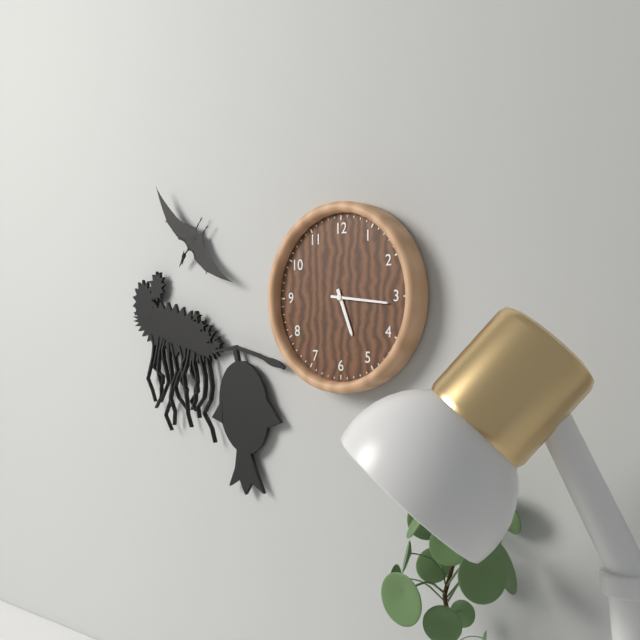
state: 5:16
